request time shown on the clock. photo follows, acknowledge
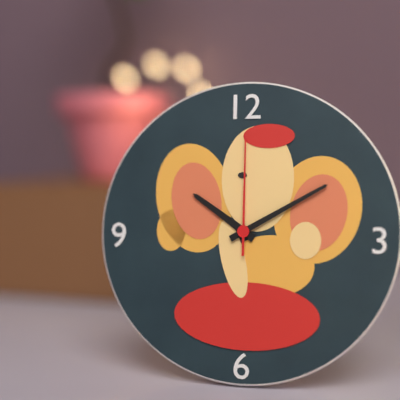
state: 10:10:00
